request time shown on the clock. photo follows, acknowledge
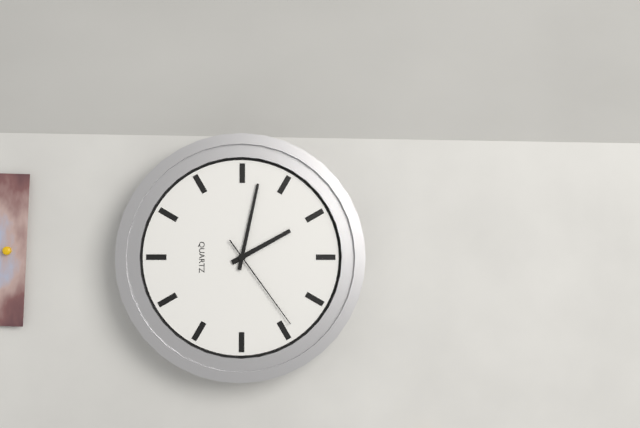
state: 2:02:24
